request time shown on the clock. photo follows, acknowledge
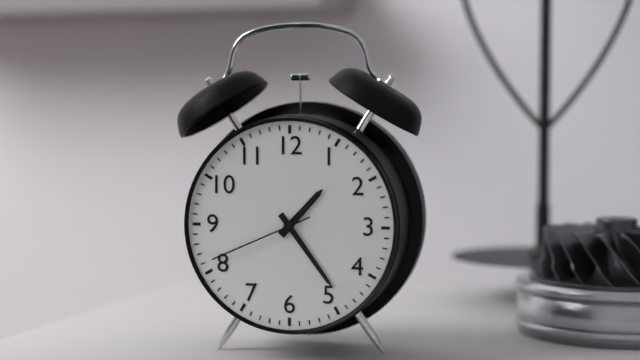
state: 1:24:41
